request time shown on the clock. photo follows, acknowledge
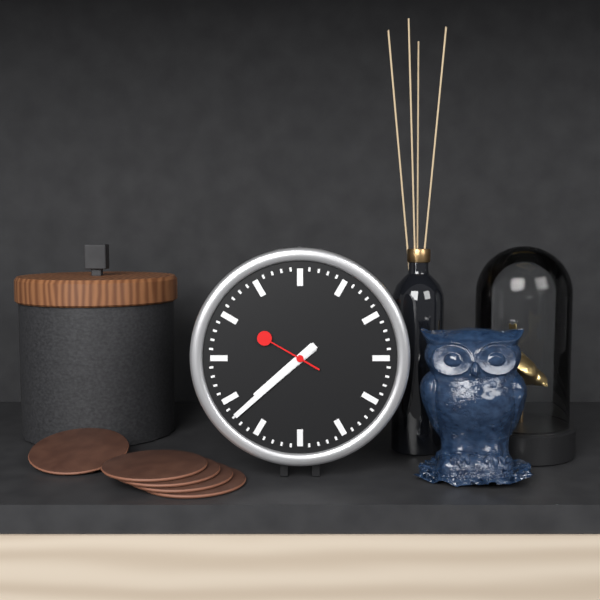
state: 7:38:50
